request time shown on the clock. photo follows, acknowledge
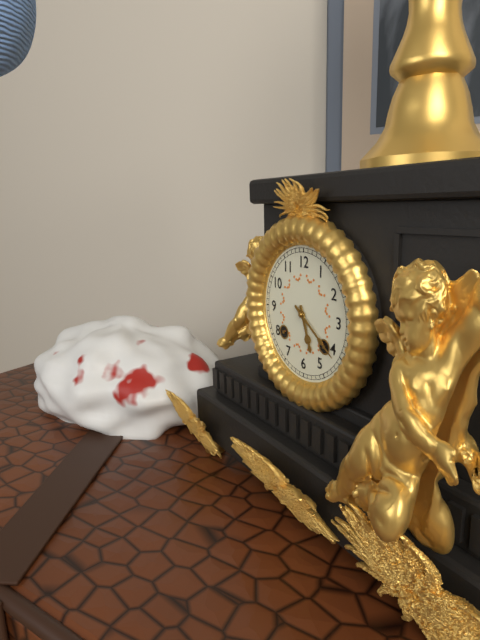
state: 5:21
